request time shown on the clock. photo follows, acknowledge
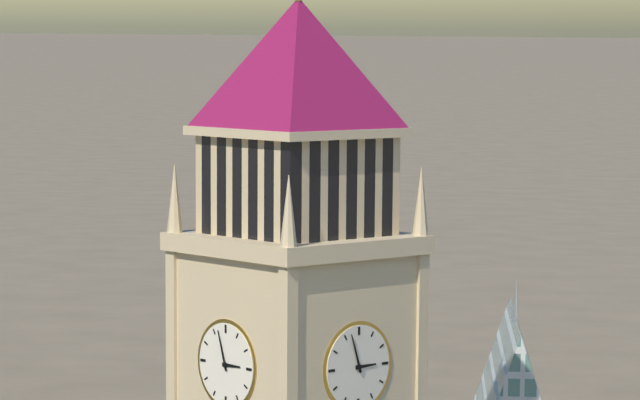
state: 2:57
